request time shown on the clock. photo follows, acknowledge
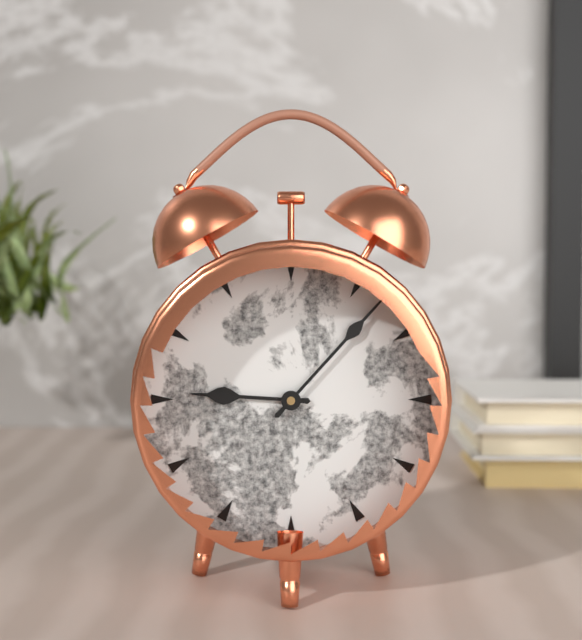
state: 9:07
